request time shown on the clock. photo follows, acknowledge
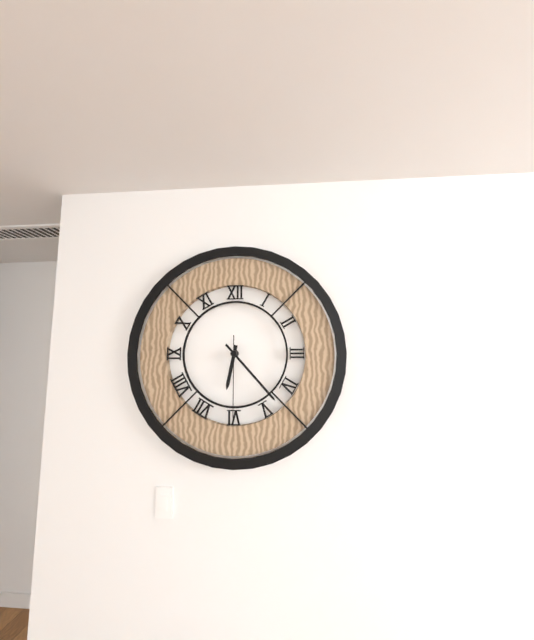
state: 6:23:30
